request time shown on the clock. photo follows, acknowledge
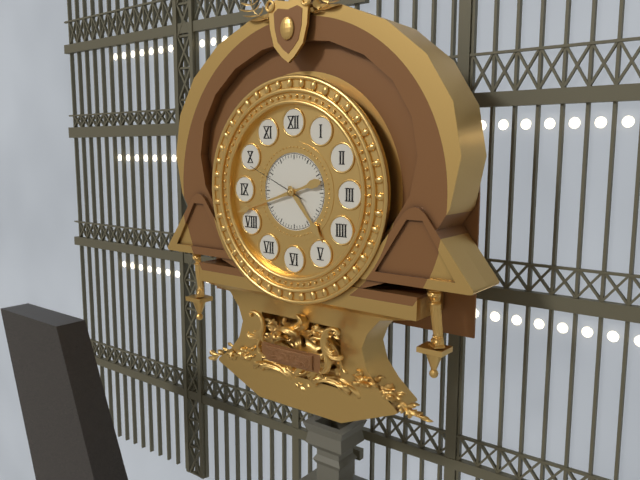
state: 4:42:49
